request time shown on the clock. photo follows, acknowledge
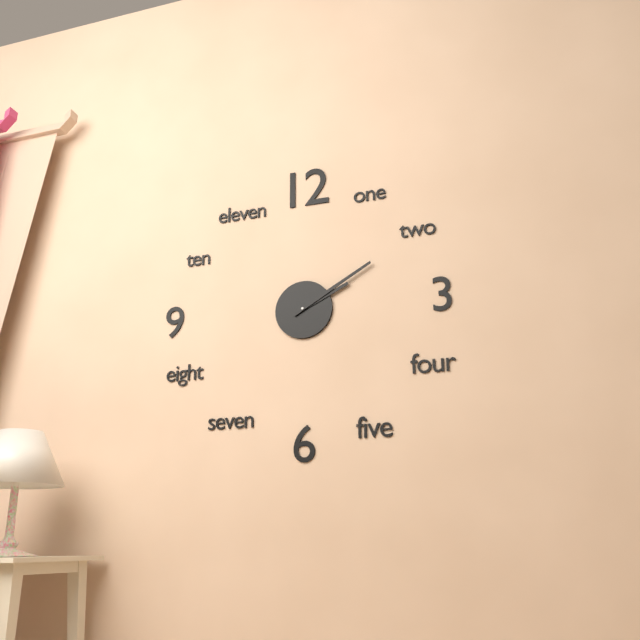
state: 2:10
